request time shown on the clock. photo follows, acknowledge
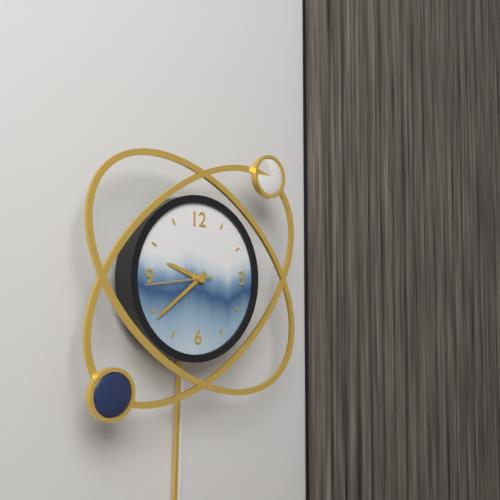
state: 9:39:44
